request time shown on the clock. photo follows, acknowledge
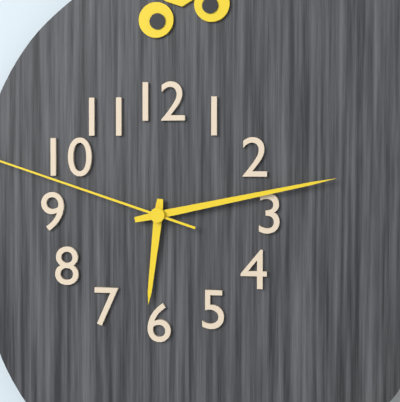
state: 6:13
